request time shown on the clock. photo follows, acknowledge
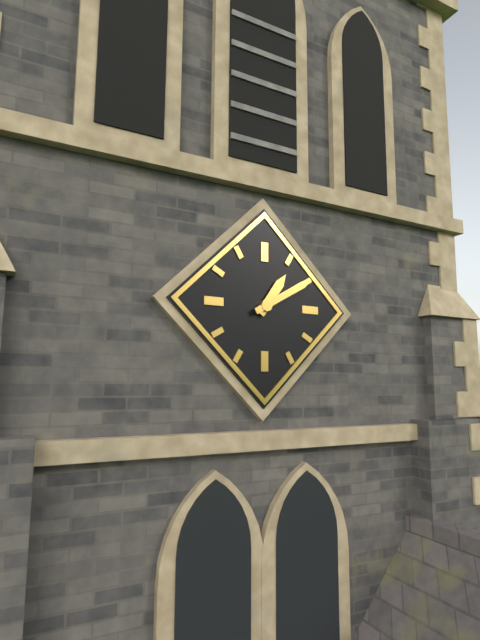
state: 1:10
